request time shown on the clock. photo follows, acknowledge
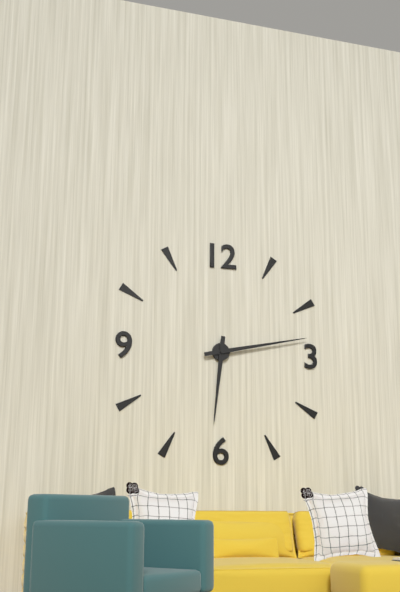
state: 6:13
